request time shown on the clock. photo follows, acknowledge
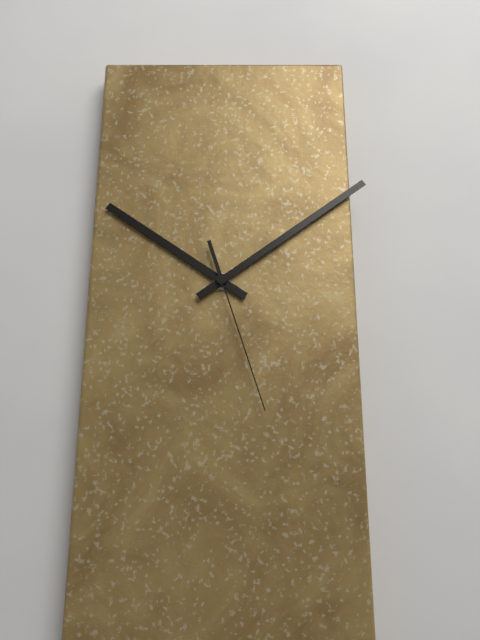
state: 10:09:27
